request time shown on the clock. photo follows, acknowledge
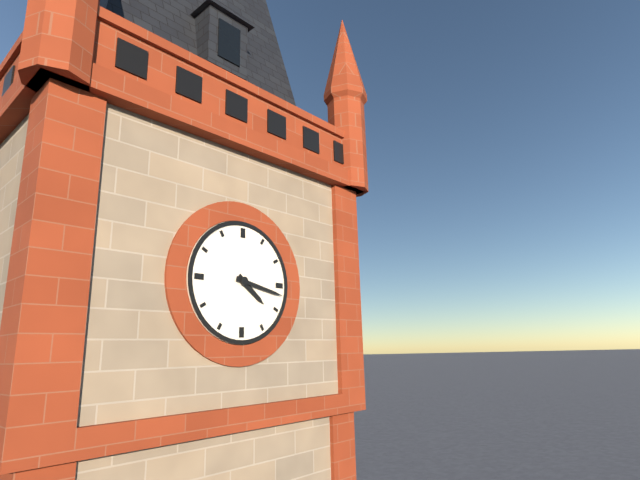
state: 4:17
